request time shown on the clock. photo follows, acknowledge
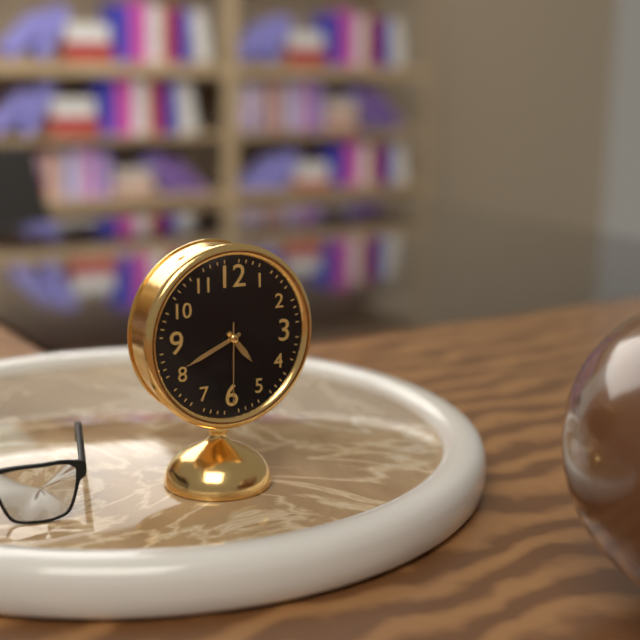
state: 4:41:30
